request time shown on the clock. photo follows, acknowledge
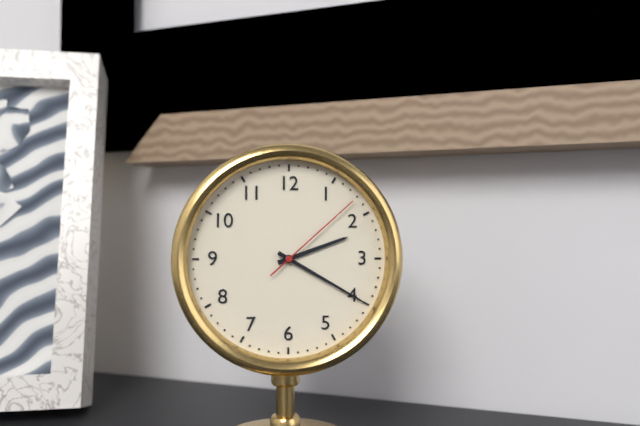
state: 2:20:08
